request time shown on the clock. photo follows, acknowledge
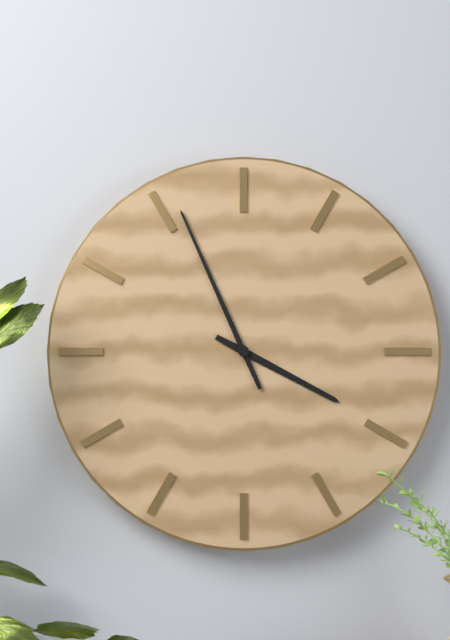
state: 3:56
